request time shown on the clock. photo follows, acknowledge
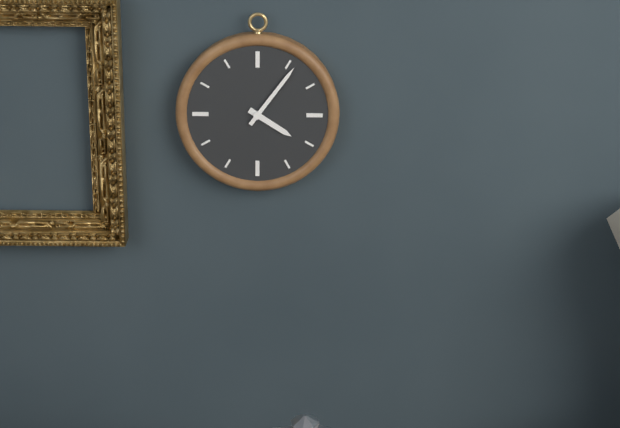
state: 4:06
